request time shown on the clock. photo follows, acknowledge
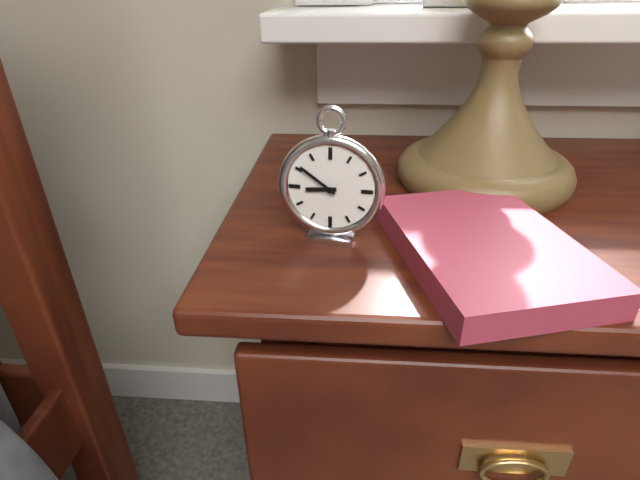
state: 8:51
